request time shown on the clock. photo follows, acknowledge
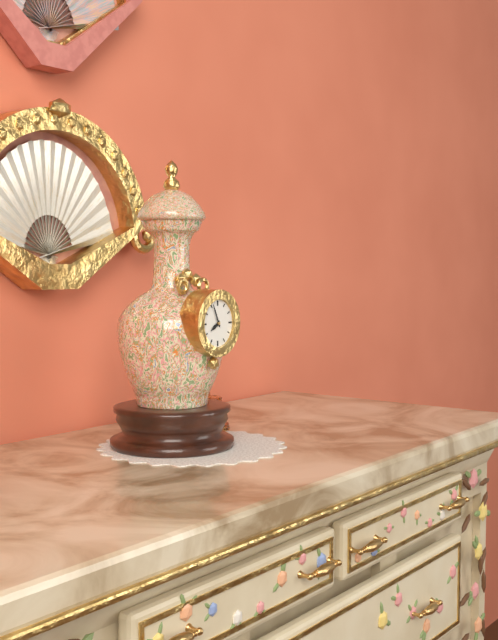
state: 7:56
